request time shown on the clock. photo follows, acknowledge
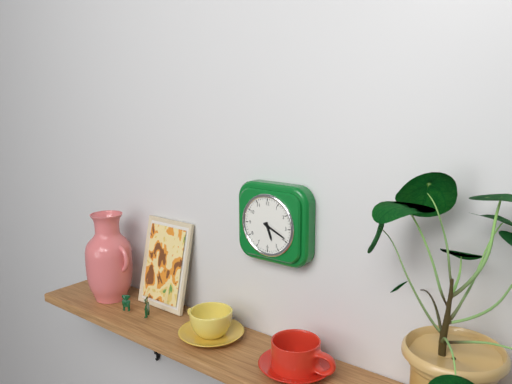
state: 5:19
